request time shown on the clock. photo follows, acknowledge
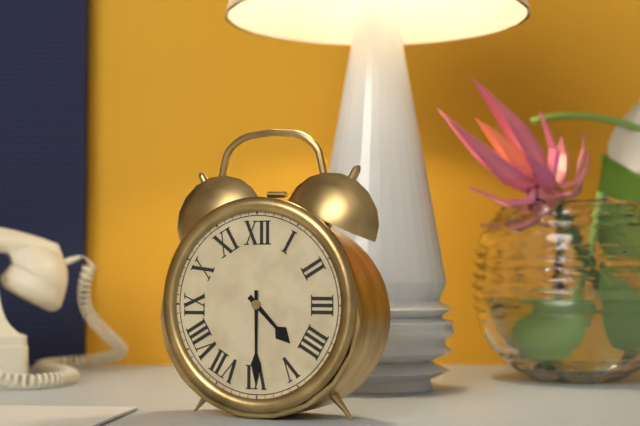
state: 4:30
